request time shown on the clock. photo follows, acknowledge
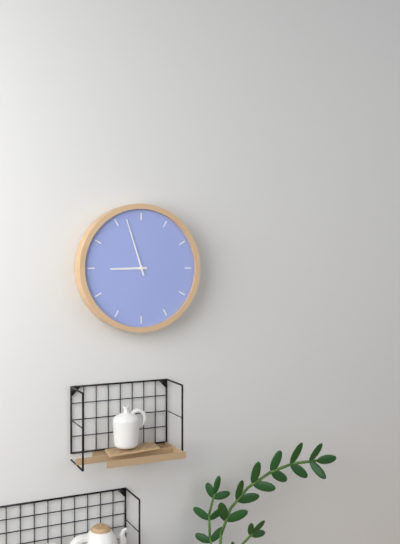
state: 8:57
